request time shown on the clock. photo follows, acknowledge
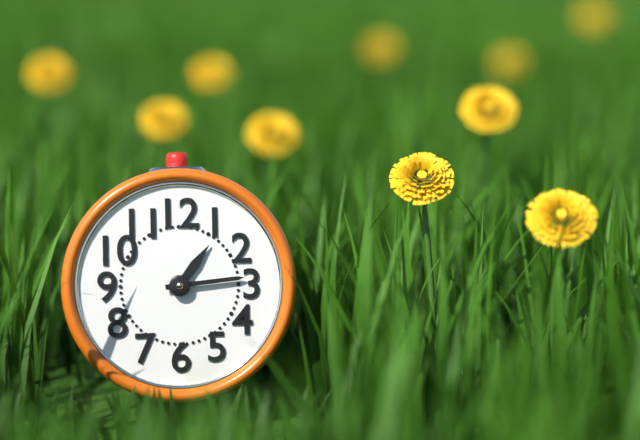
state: 1:14
